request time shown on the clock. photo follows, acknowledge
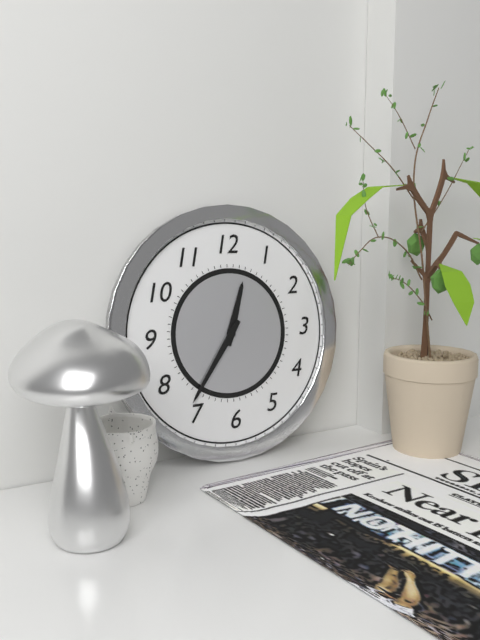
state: 12:36
